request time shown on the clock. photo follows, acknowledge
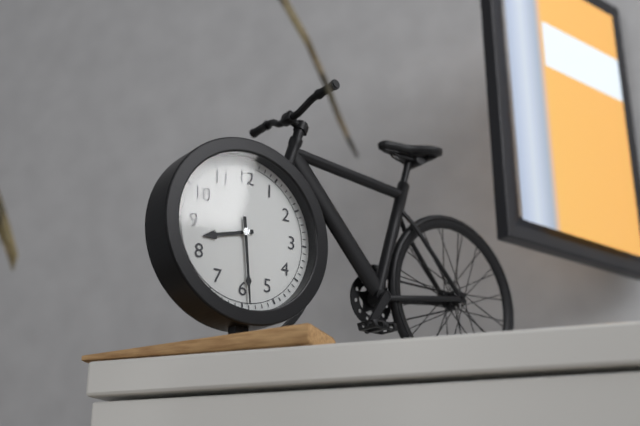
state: 8:29
